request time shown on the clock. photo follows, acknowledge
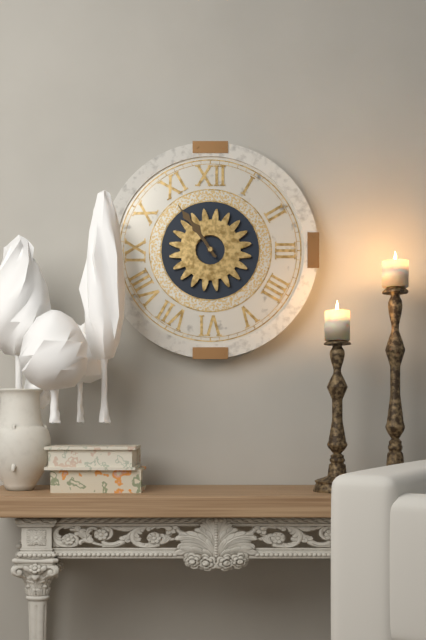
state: 10:54
